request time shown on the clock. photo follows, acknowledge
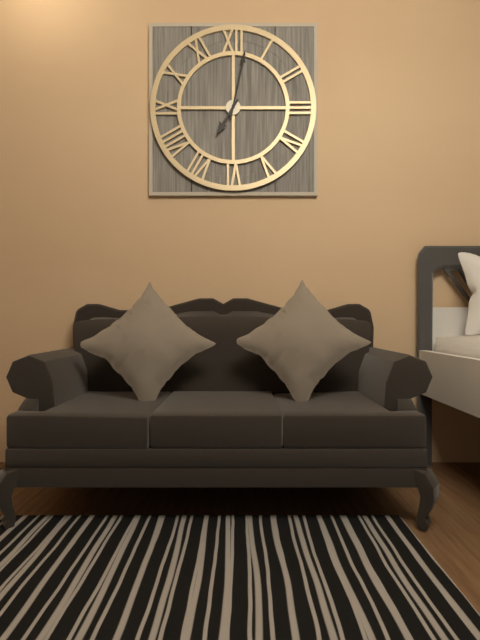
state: 7:02
